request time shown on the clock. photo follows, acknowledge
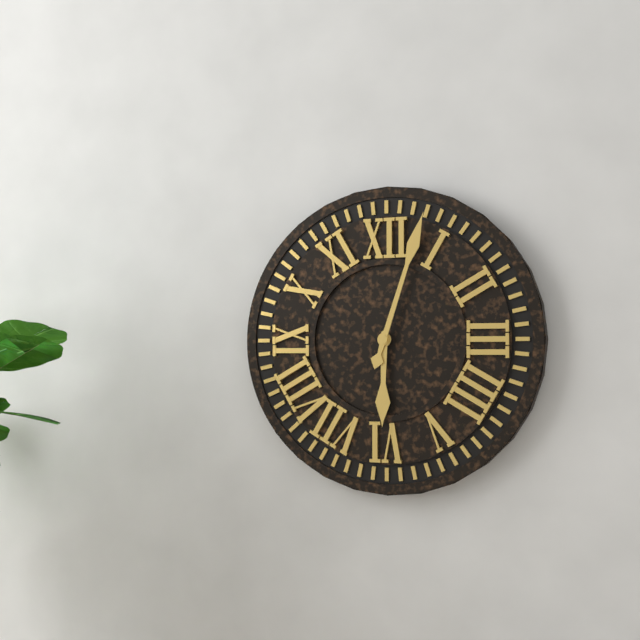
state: 6:03
